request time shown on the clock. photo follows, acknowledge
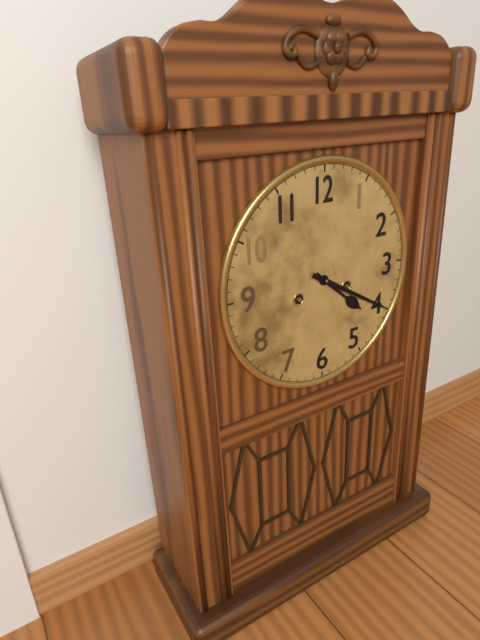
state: 4:20
